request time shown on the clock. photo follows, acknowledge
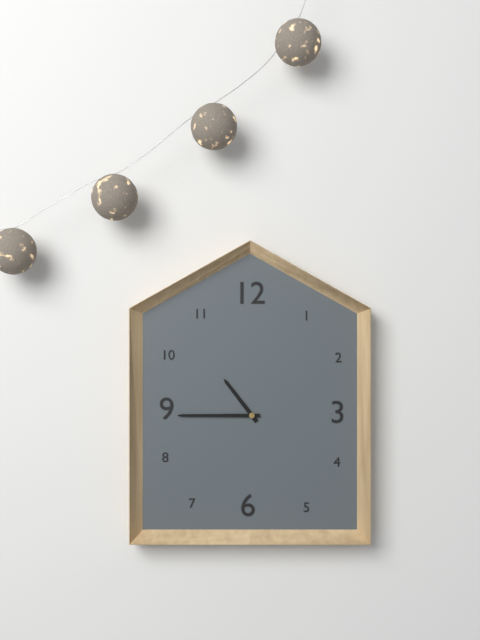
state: 10:45
